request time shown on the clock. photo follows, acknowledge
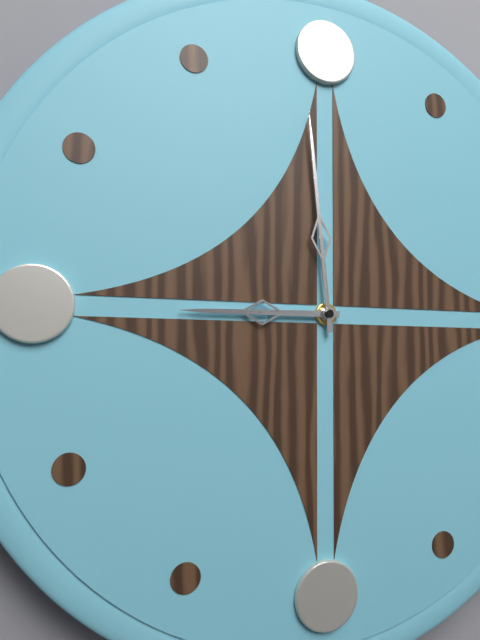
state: 8:59
